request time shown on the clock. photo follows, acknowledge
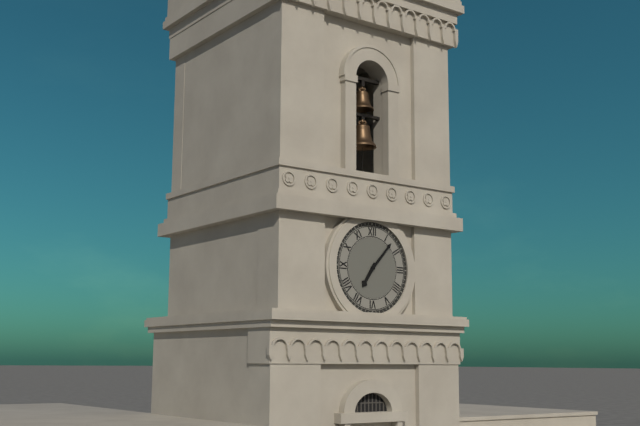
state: 7:07
